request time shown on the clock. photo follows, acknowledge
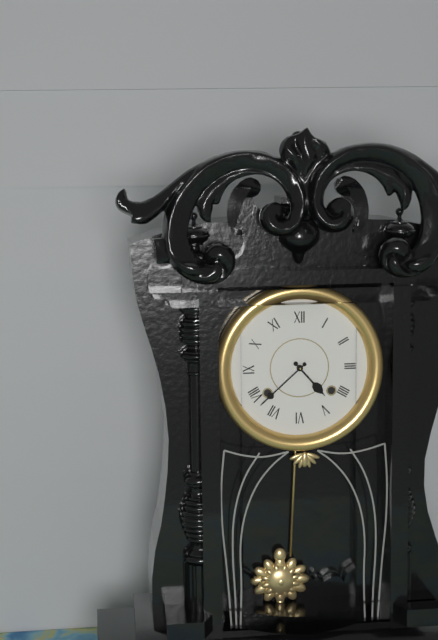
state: 4:38
